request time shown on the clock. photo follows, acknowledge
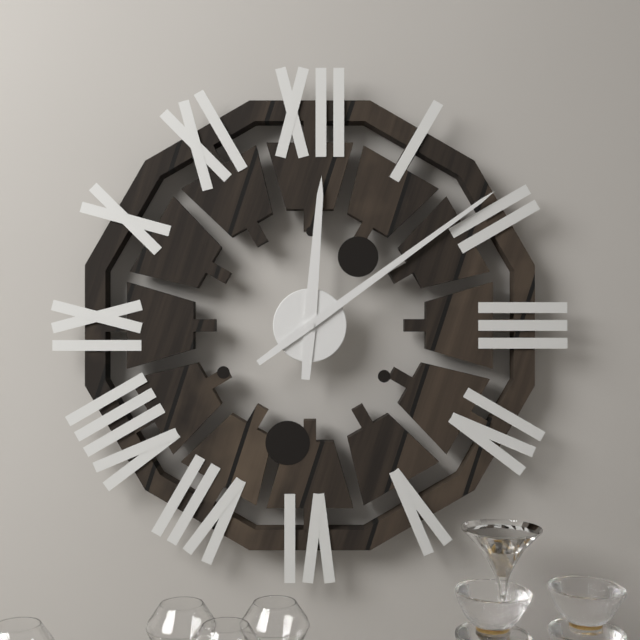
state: 12:09
